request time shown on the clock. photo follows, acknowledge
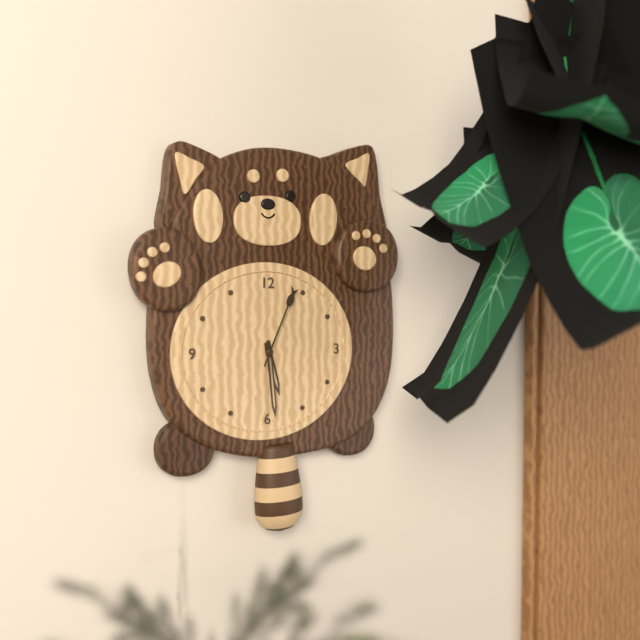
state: 5:29:04
